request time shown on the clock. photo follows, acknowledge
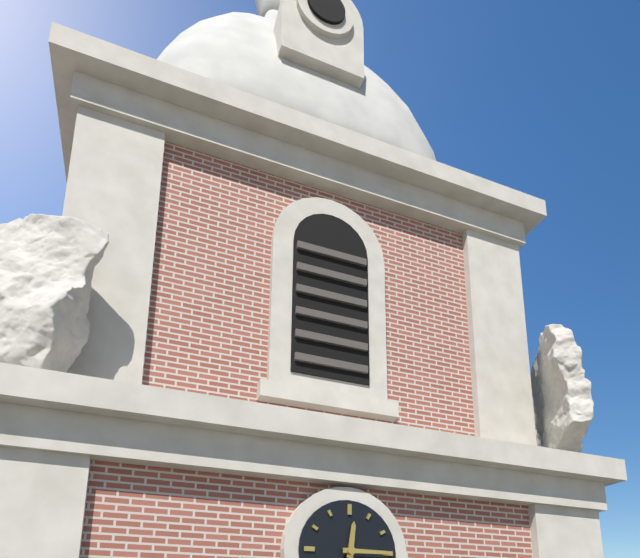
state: 12:15
